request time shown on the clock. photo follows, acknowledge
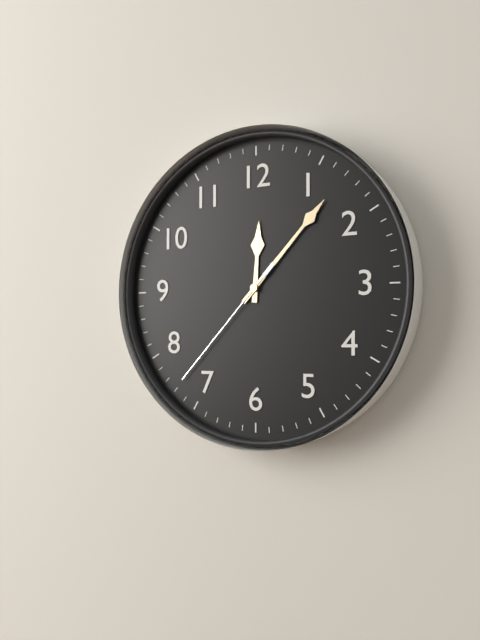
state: 12:07:37
